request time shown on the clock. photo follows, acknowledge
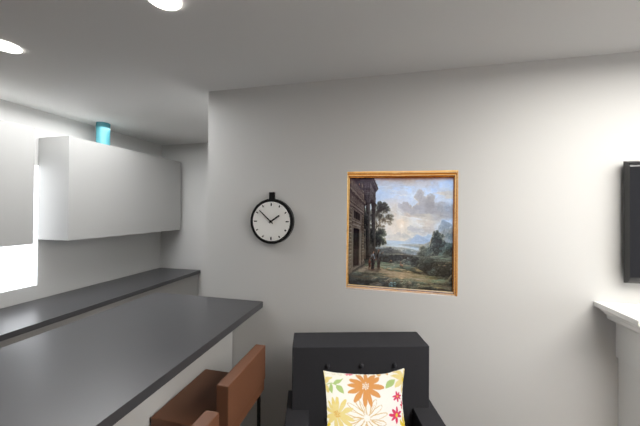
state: 1:52
